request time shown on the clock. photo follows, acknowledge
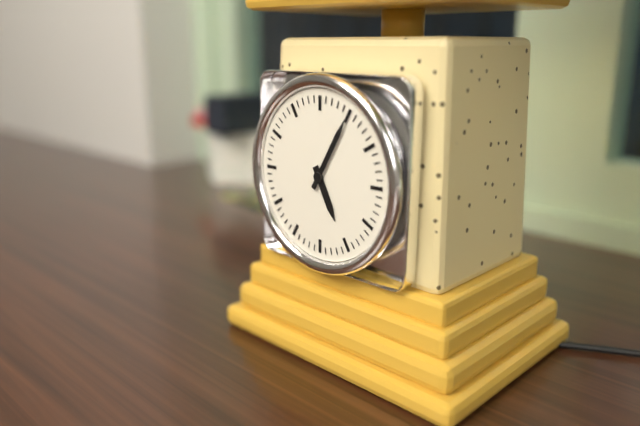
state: 5:05
